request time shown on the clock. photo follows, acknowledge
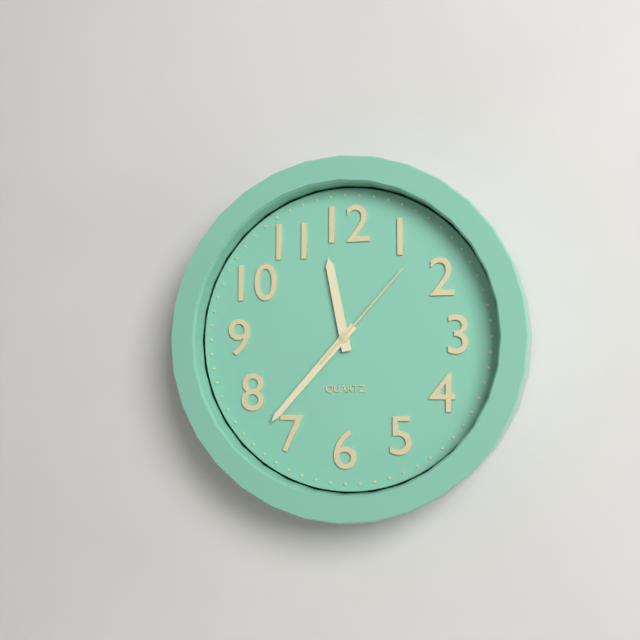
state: 11:37:07
